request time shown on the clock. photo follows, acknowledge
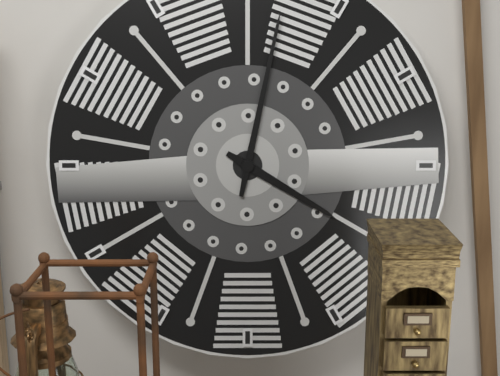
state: 4:02
